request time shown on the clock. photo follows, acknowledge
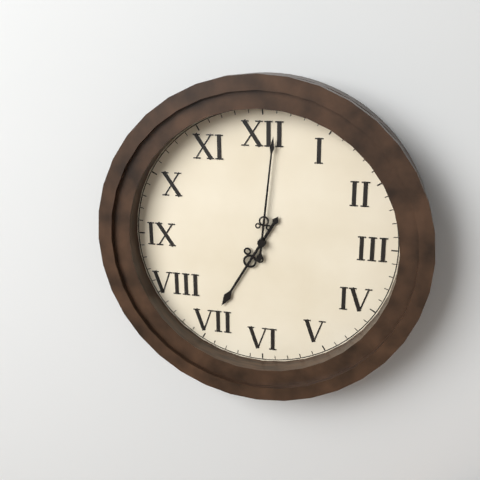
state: 7:01
